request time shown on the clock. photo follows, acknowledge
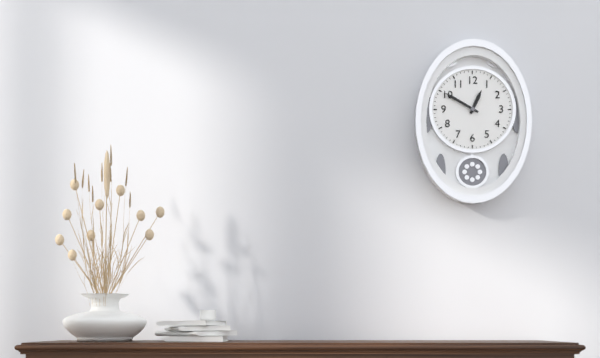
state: 12:50
